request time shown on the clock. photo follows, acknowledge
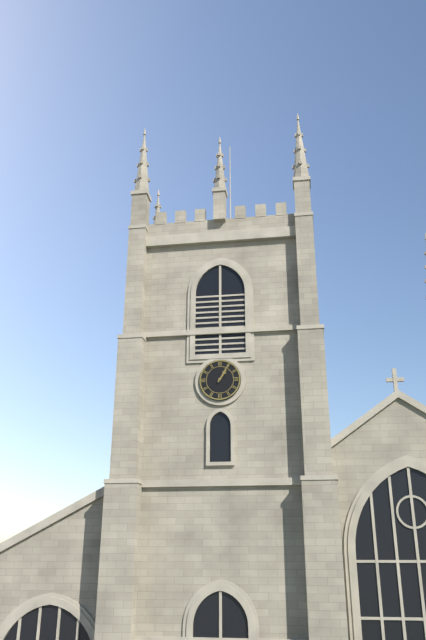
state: 1:05
